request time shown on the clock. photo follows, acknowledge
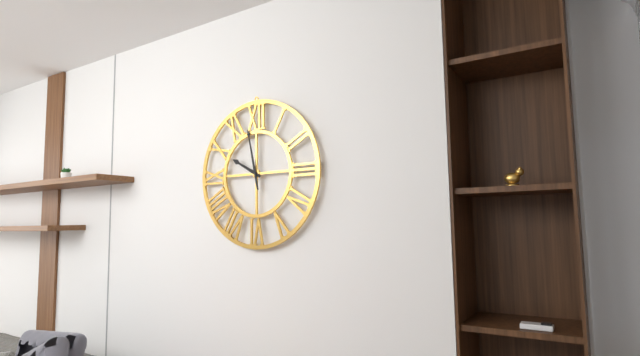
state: 9:58
